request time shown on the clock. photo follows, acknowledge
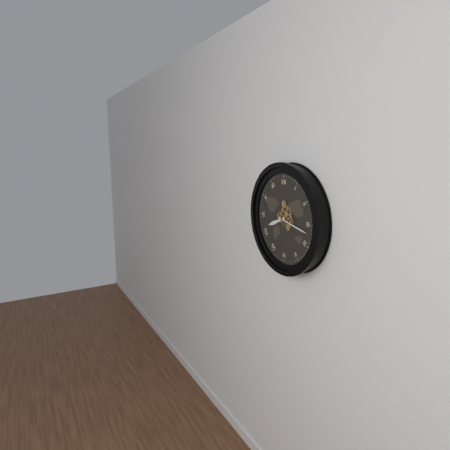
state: 8:17
